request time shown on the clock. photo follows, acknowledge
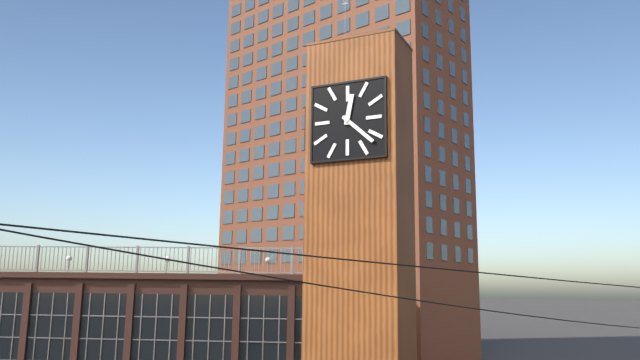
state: 12:22
